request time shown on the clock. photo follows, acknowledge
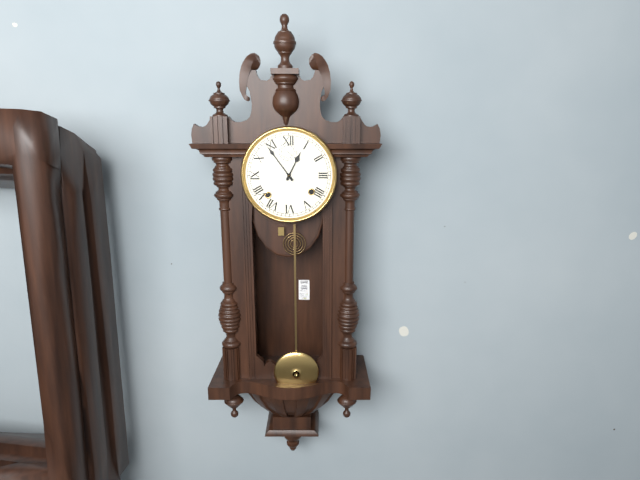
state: 12:54
